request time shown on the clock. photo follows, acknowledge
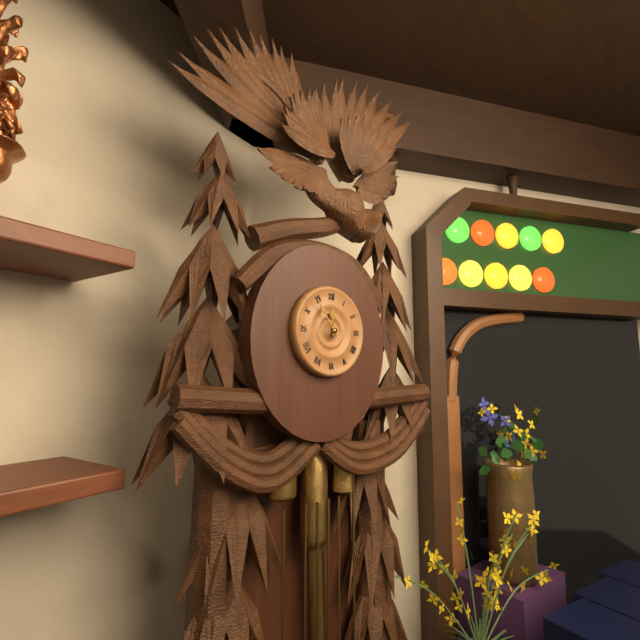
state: 11:54
